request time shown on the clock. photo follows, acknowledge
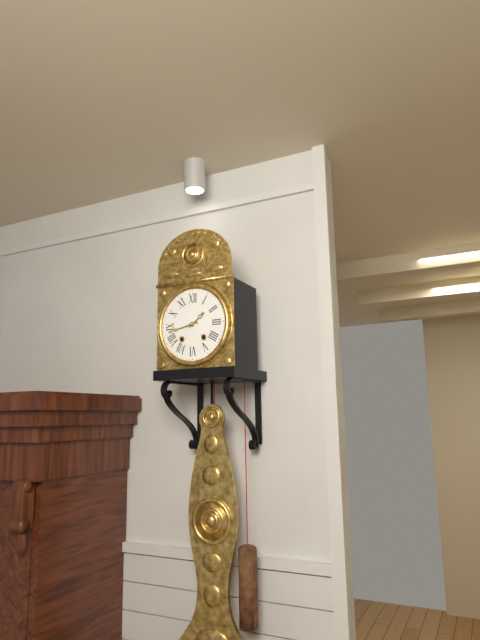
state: 1:43
